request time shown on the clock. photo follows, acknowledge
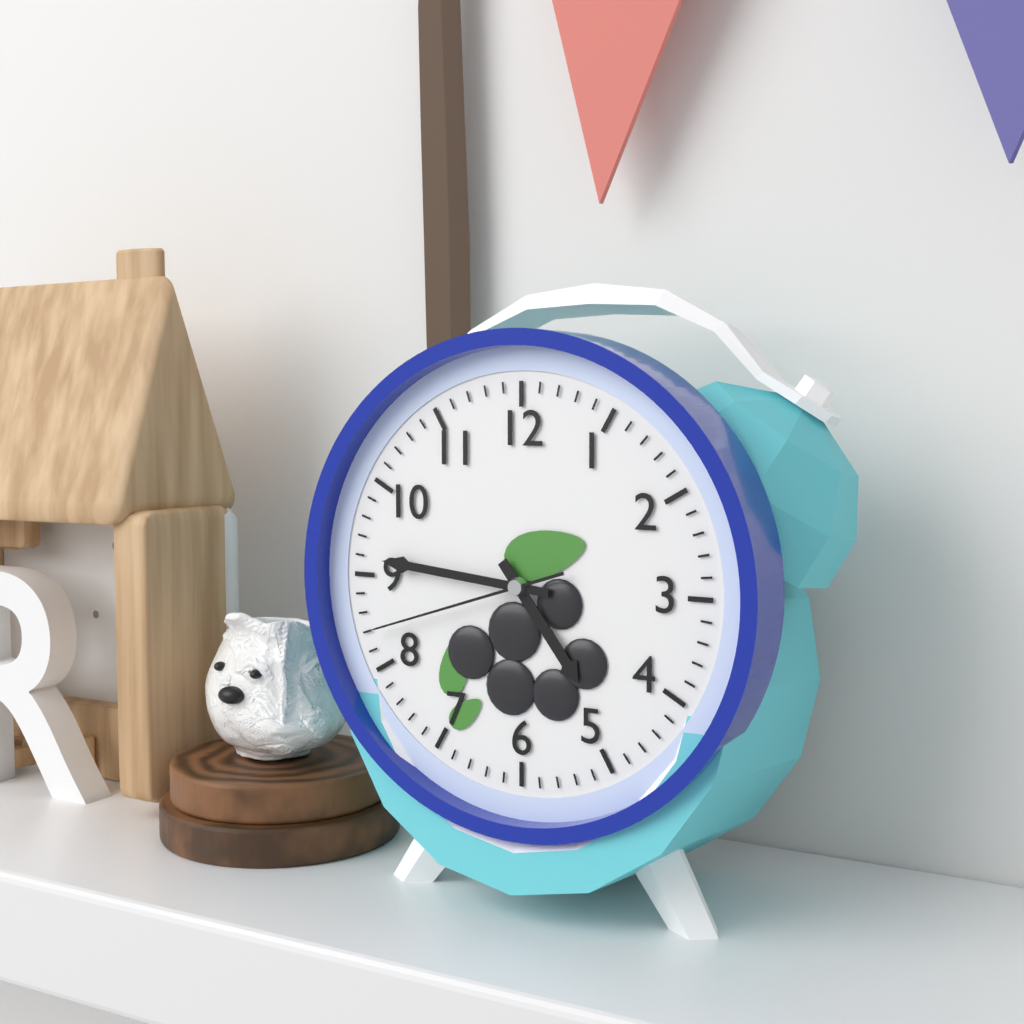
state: 4:46:42
